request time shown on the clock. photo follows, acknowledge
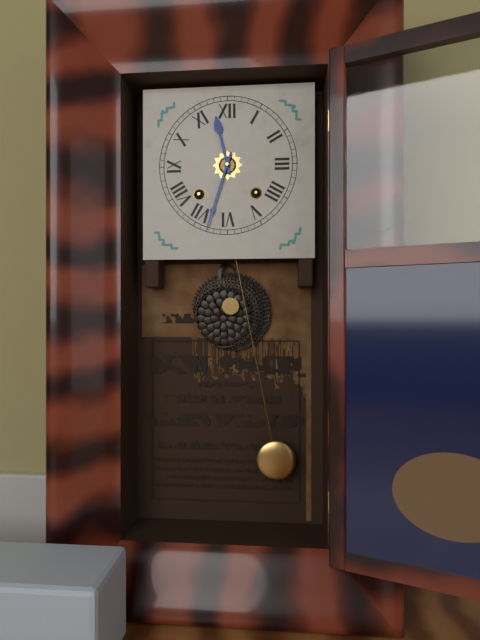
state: 11:33
